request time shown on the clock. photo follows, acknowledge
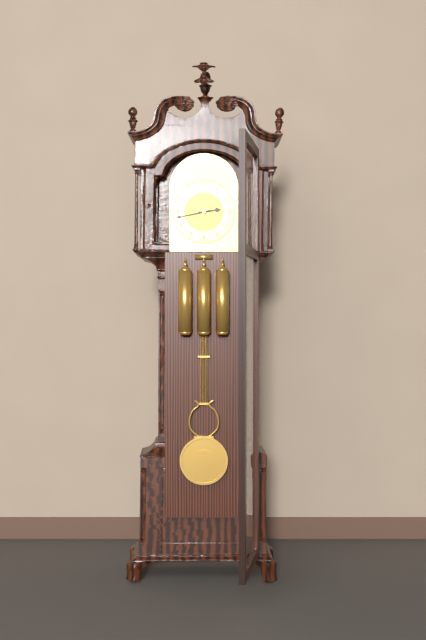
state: 2:43
